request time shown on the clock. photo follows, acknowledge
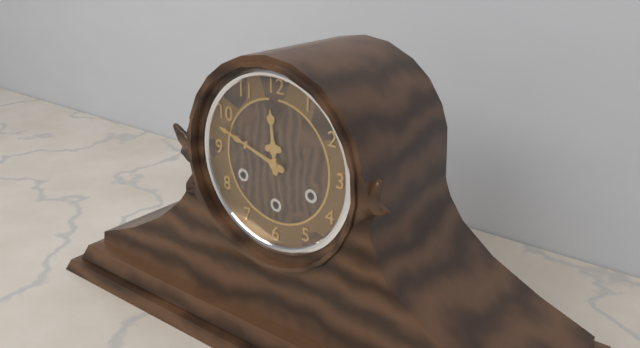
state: 11:48
